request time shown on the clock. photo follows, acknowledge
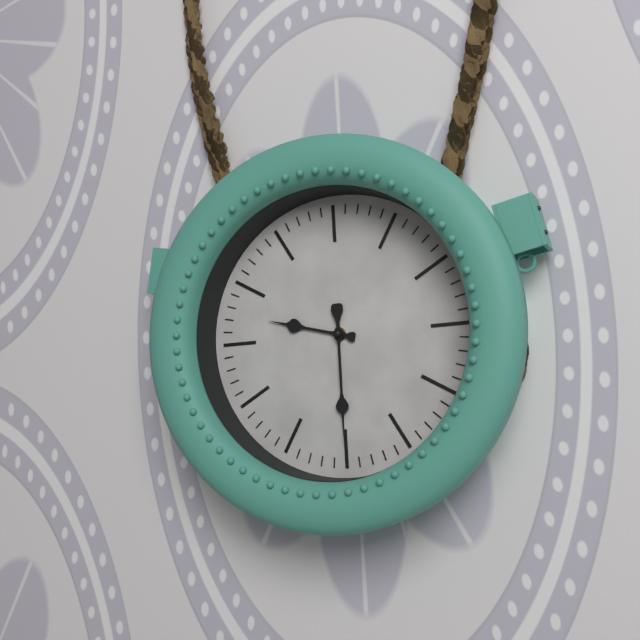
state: 9:30
